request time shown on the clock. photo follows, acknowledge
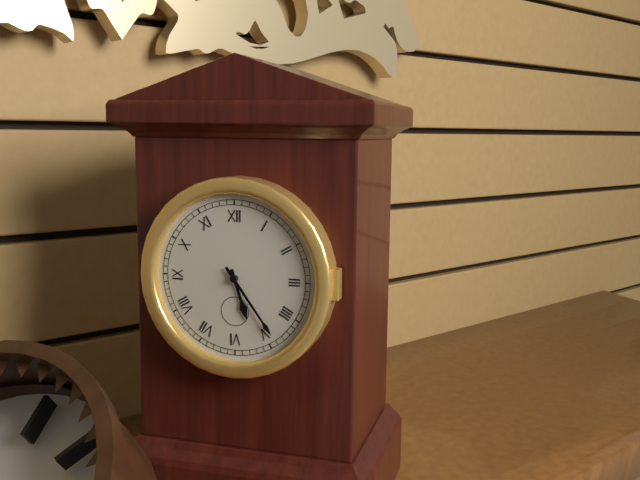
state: 5:24
